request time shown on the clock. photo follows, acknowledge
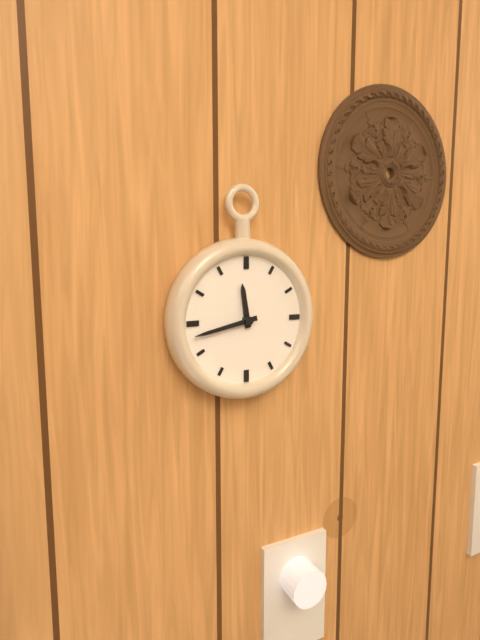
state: 11:43
